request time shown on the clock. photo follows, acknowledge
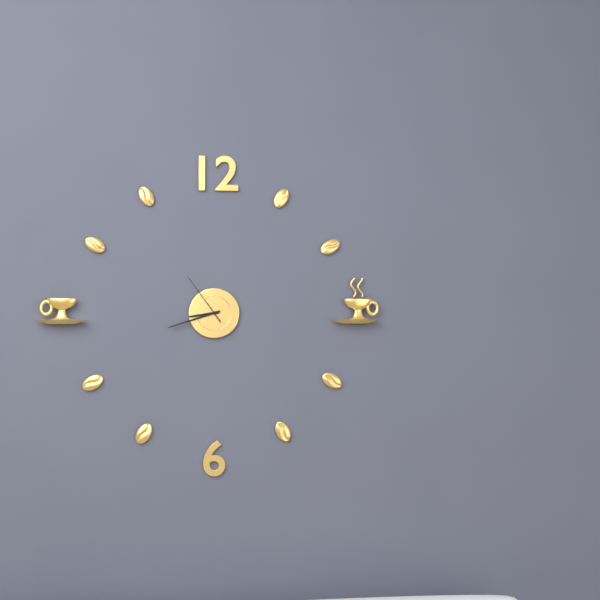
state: 8:42:54
